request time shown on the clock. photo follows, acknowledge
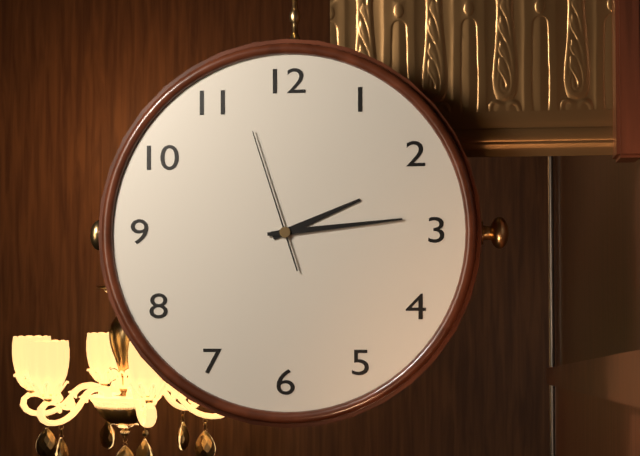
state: 2:14:57
